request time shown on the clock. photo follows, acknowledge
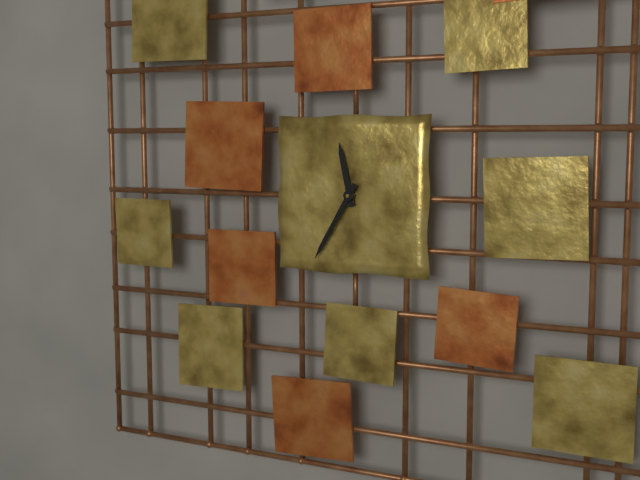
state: 11:35
